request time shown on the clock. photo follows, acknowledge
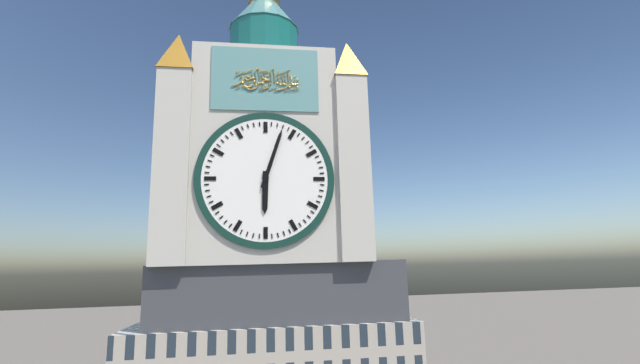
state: 6:03
